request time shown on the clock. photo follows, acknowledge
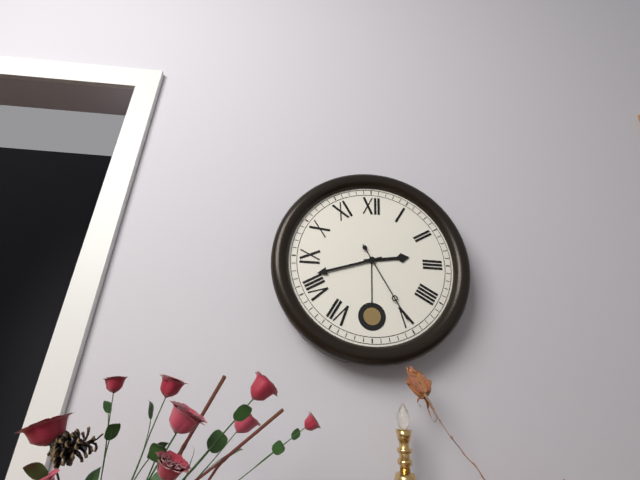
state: 2:42:25
